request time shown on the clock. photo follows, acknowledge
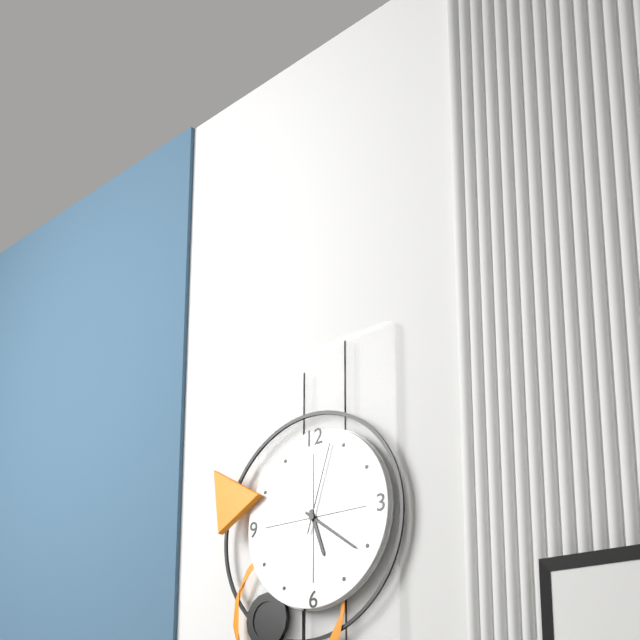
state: 5:21:03
